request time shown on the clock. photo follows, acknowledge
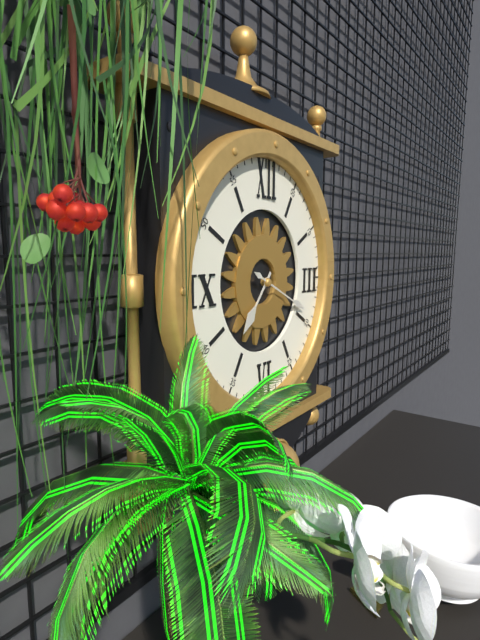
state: 7:19
